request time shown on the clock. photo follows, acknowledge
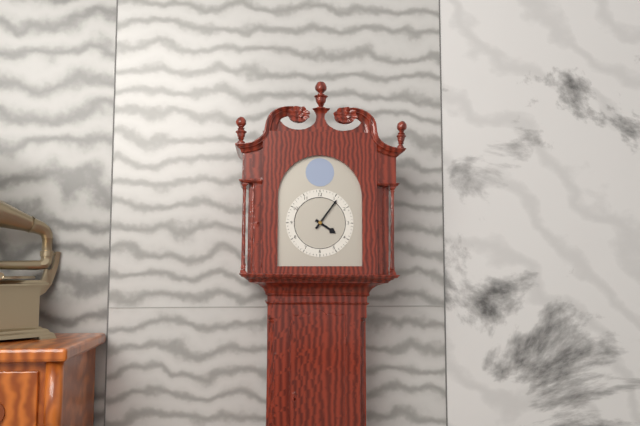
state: 4:06
